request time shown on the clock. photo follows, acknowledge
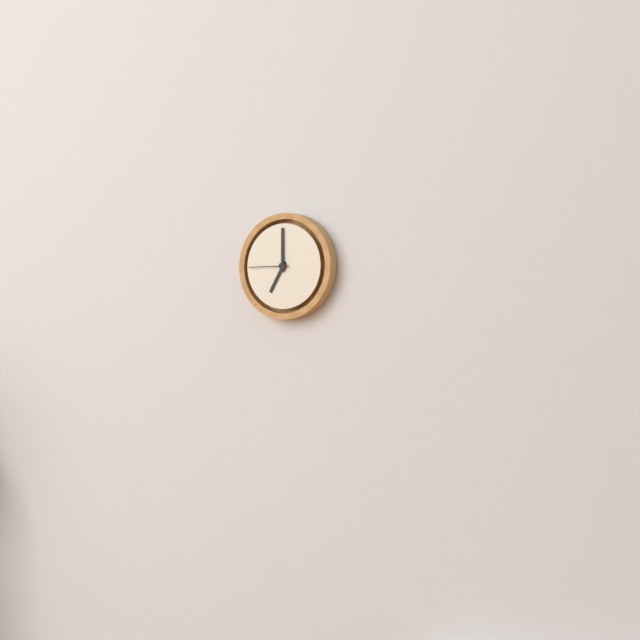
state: 7:00
